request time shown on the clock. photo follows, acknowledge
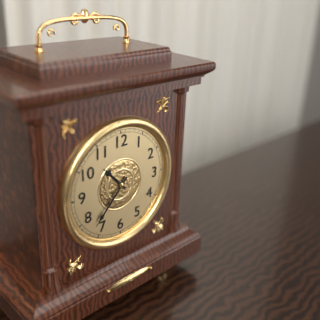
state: 10:37
